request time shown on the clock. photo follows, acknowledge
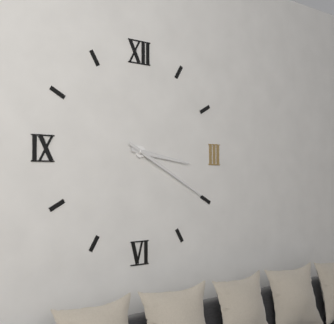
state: 3:20
